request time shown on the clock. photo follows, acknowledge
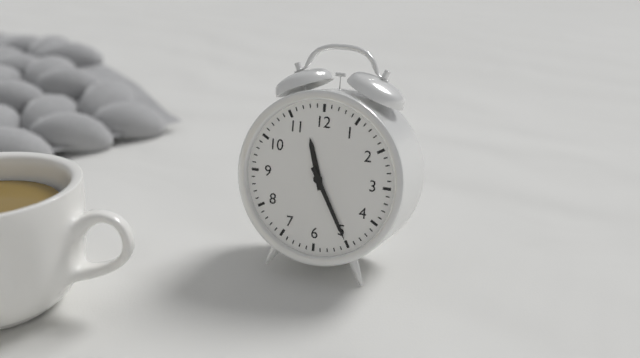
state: 11:25
